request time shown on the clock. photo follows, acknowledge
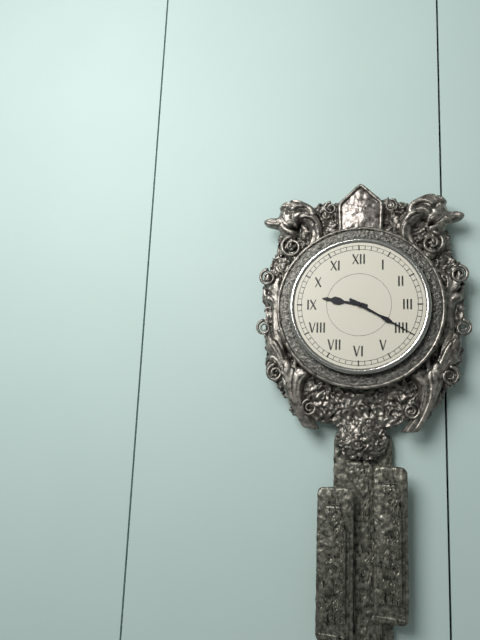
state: 9:20
